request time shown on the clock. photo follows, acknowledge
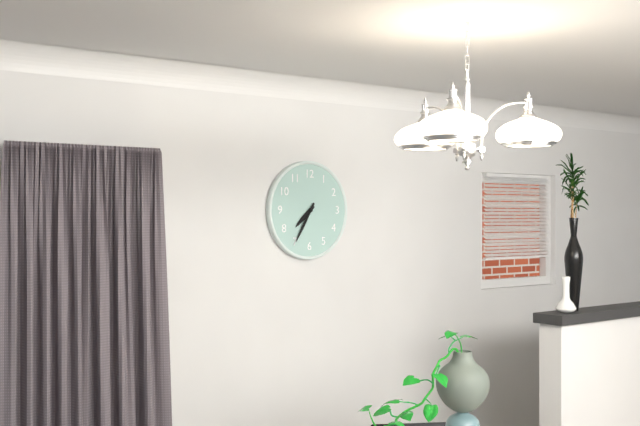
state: 7:35
